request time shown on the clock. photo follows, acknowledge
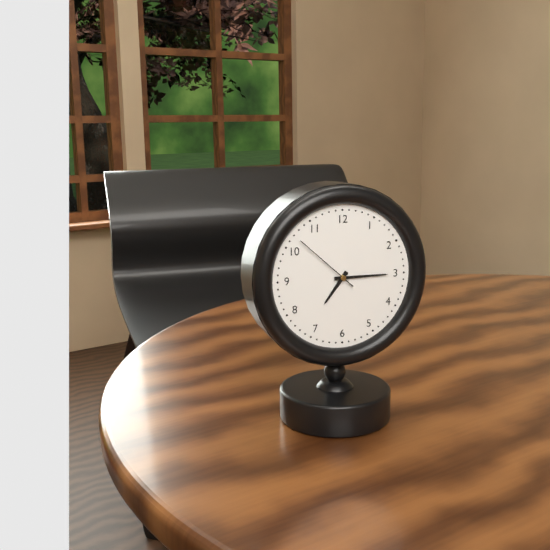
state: 7:15:52
